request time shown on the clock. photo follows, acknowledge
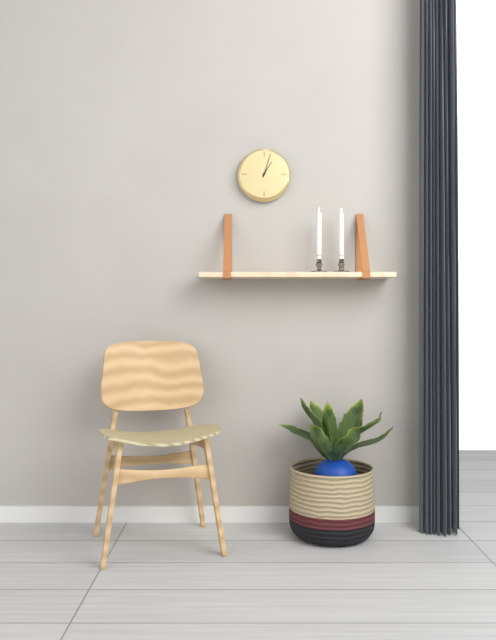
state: 1:03
